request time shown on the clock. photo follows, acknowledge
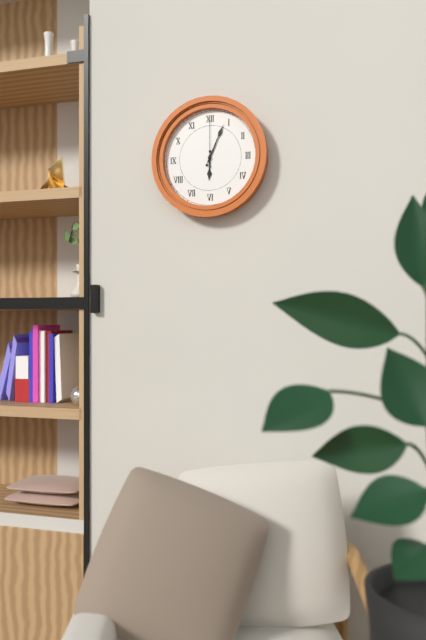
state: 6:04:00
